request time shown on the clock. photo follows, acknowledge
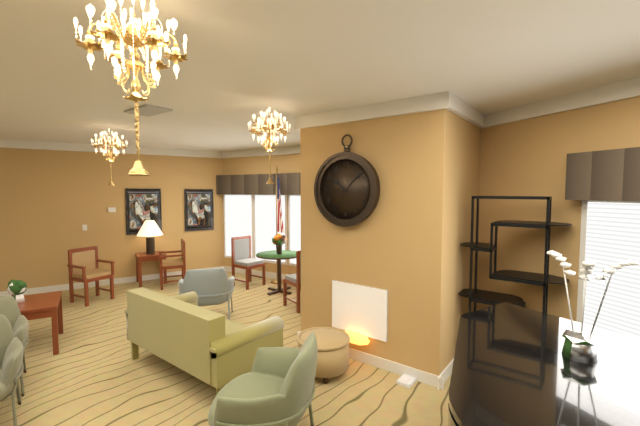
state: 10:08
